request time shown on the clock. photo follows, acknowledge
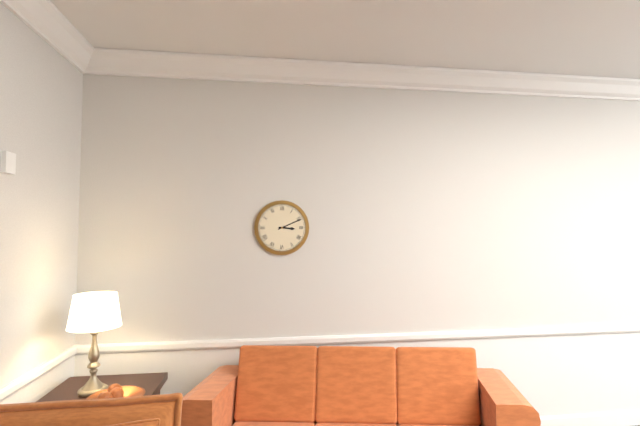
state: 3:11
